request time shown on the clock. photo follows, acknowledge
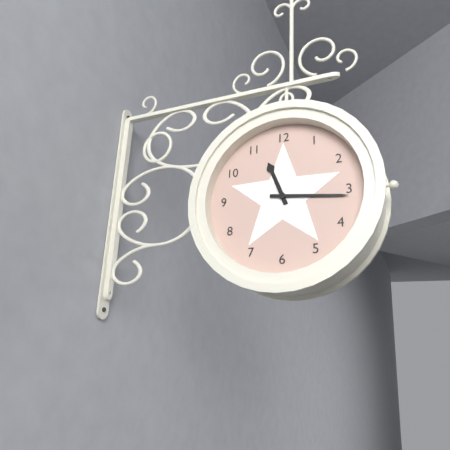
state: 11:16
